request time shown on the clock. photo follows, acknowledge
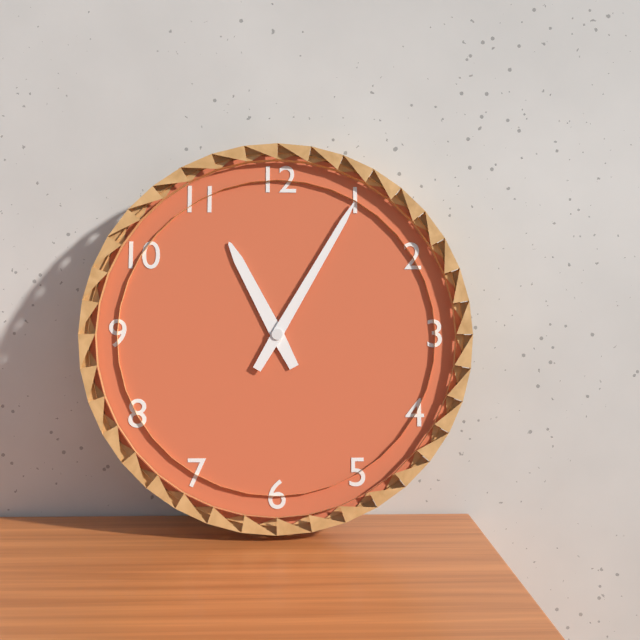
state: 11:05
